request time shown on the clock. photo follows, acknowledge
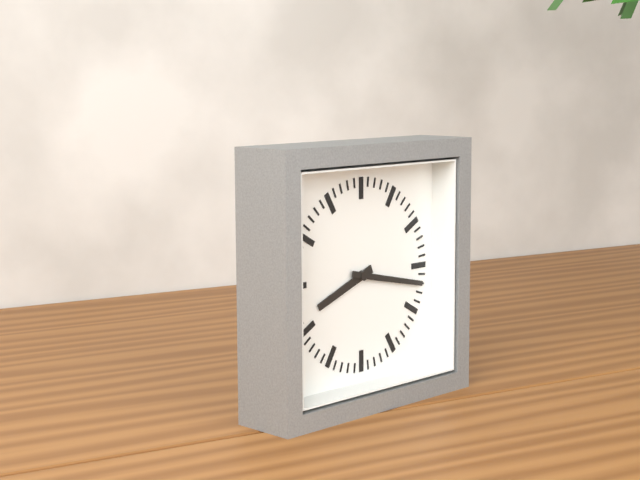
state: 8:17
